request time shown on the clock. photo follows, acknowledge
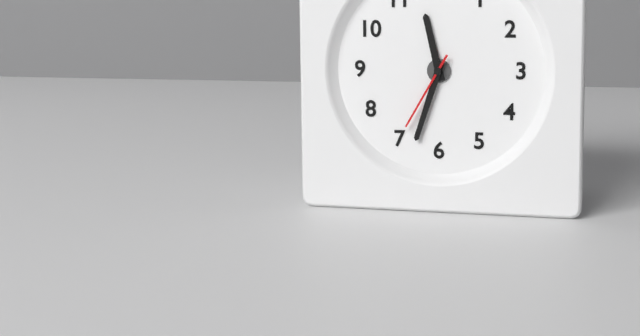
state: 11:33:35
